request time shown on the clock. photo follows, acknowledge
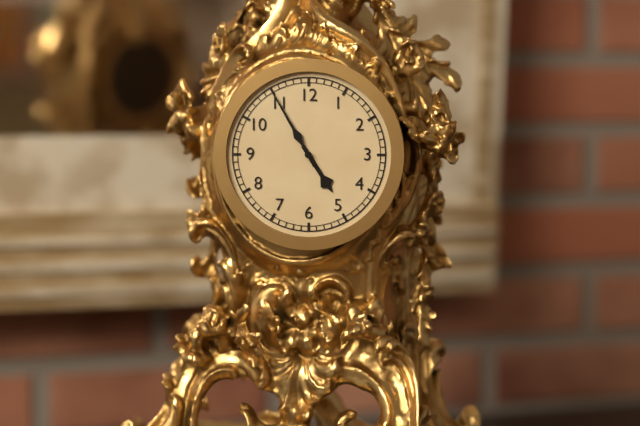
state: 4:55
